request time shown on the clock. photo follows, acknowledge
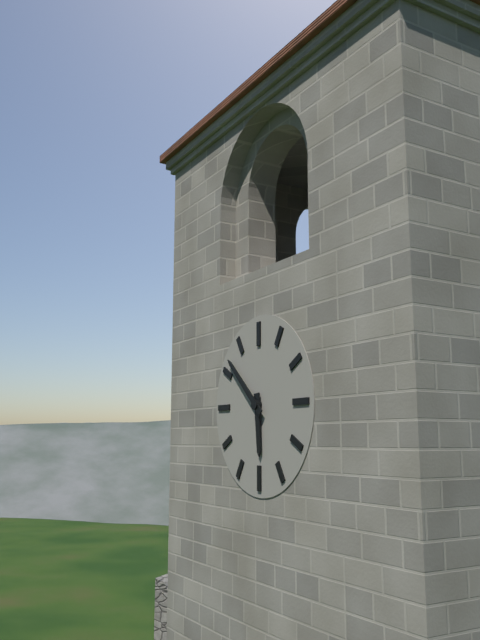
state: 5:52
